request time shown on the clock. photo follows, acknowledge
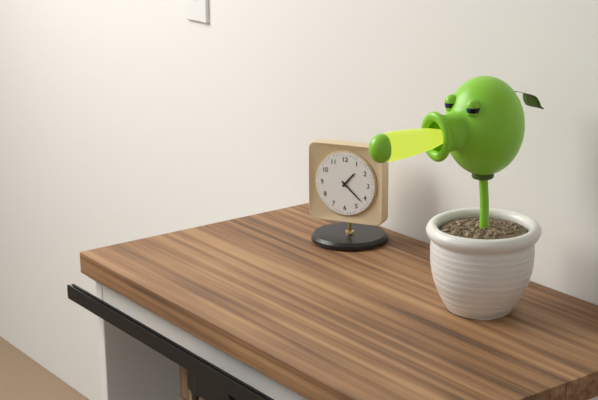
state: 1:22
